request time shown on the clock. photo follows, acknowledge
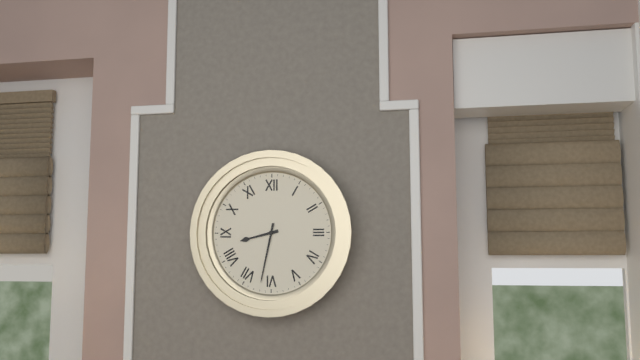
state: 8:32
